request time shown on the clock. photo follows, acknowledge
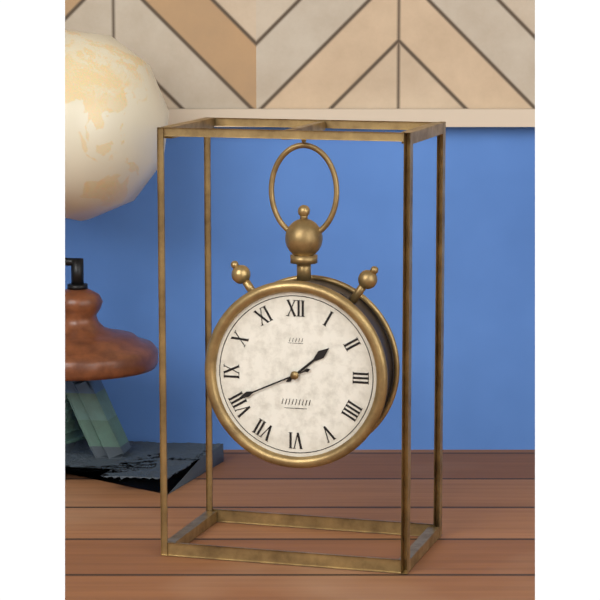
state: 1:41
